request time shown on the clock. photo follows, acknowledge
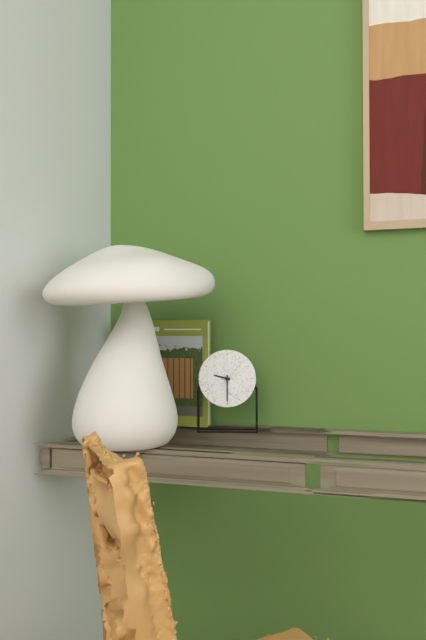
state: 9:30
